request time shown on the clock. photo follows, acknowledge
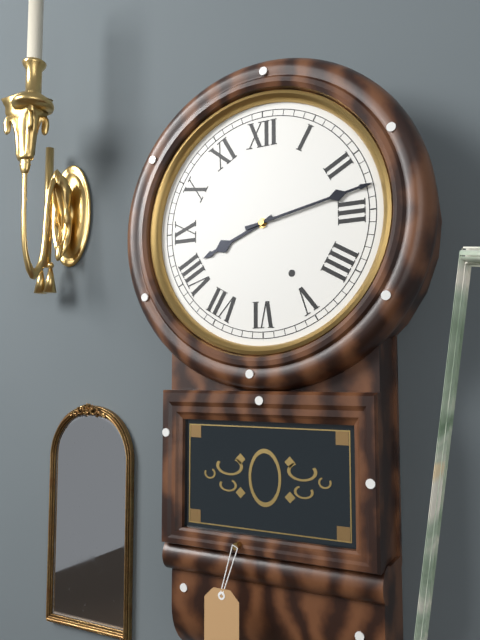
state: 8:13
